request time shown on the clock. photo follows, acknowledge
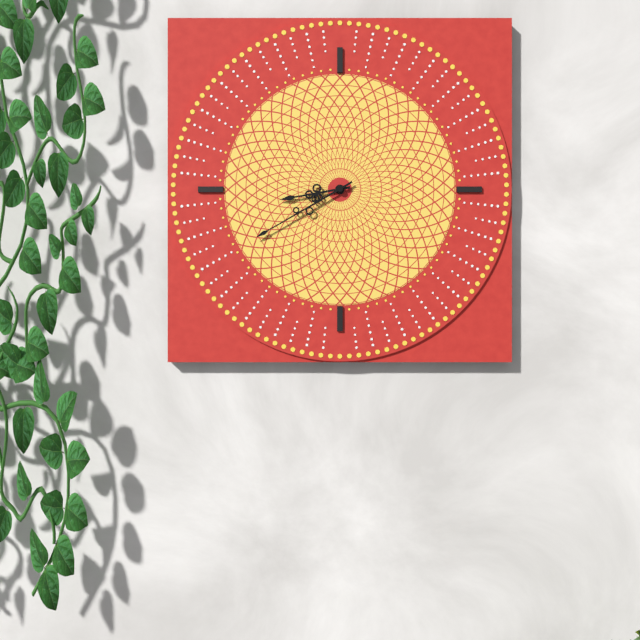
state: 8:40
